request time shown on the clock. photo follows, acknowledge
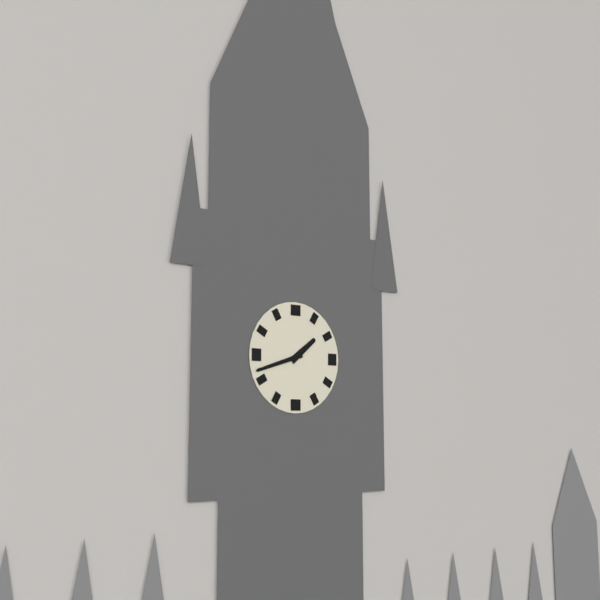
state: 1:42
